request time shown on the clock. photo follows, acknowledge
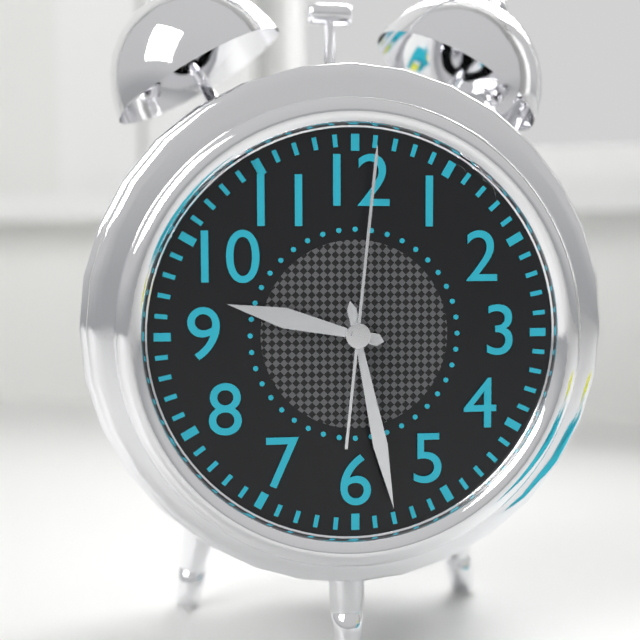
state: 9:28:01
